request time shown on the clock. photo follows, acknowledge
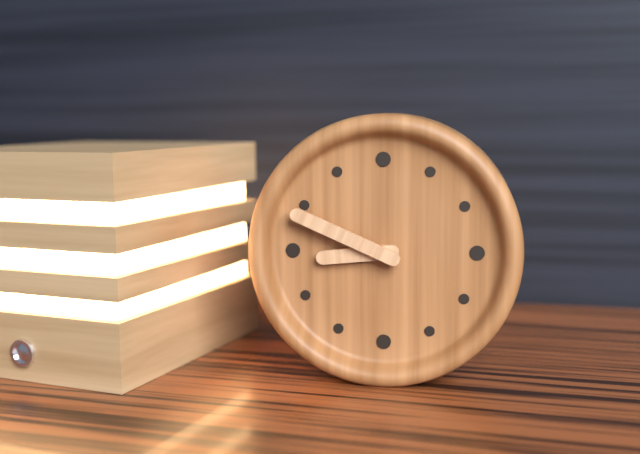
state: 8:49
